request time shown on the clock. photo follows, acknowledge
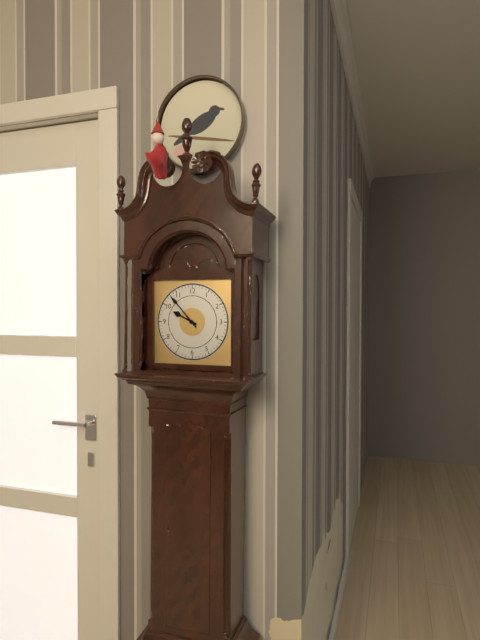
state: 9:53
